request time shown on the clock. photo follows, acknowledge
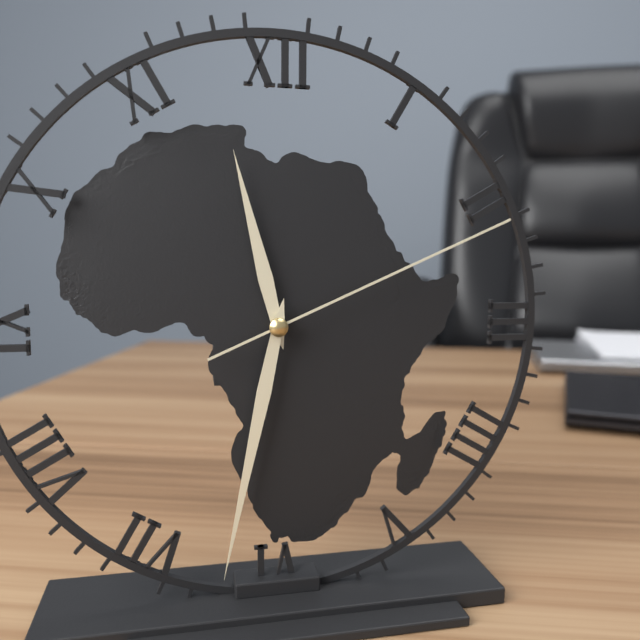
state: 11:32:11
